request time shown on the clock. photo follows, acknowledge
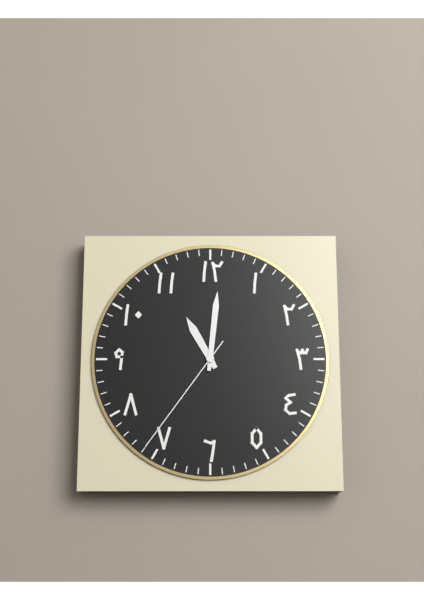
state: 11:01:36
